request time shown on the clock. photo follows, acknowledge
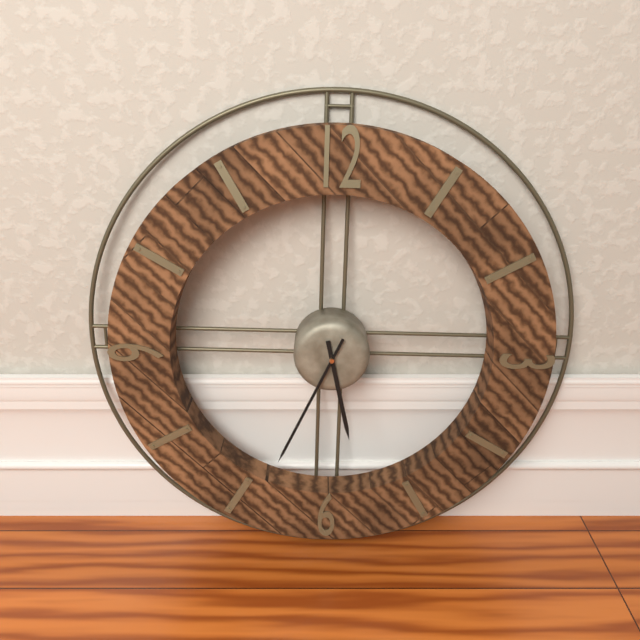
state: 5:34
